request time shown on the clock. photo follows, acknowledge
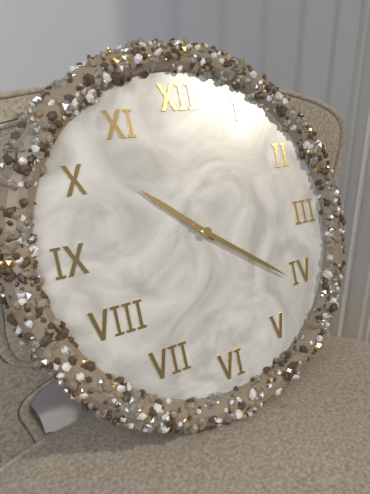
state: 10:21
